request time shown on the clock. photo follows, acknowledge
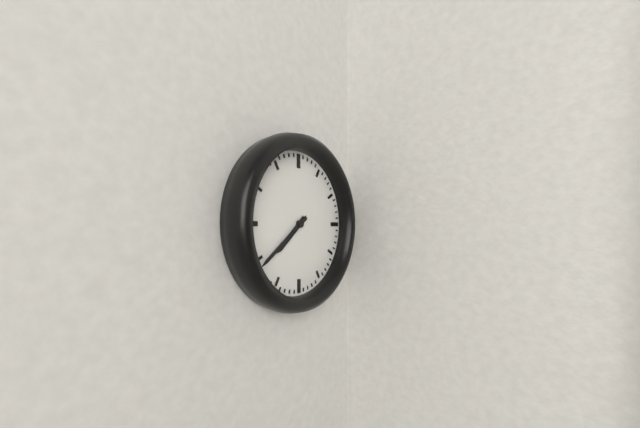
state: 7:39
